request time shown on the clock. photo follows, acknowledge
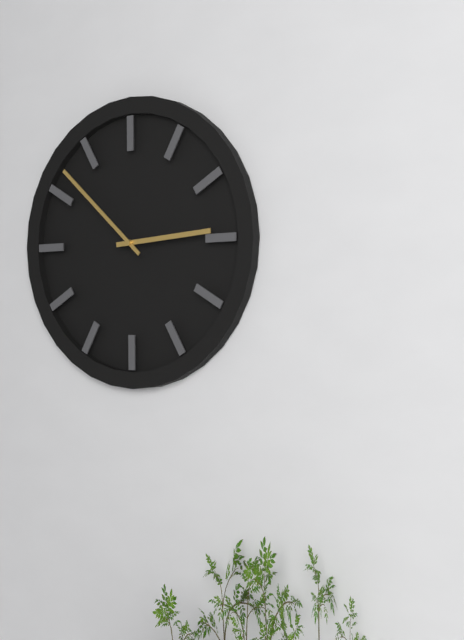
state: 2:52
